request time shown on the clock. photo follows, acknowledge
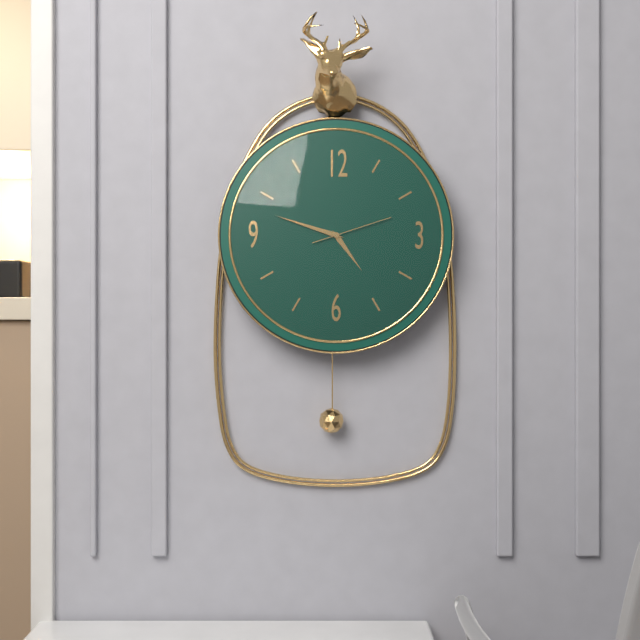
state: 4:48:12
